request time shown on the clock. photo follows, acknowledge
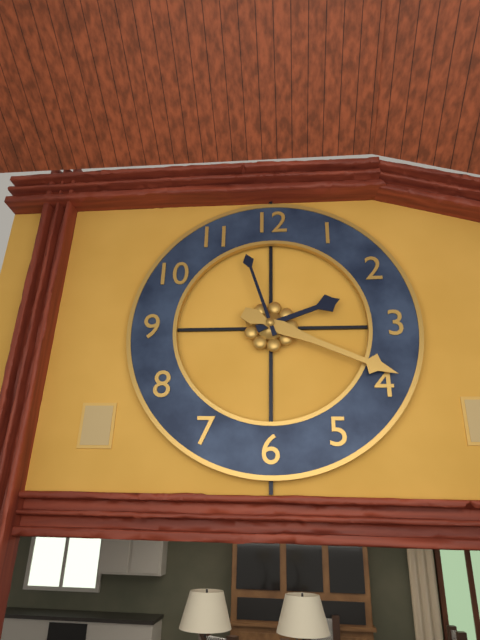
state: 2:19:57
